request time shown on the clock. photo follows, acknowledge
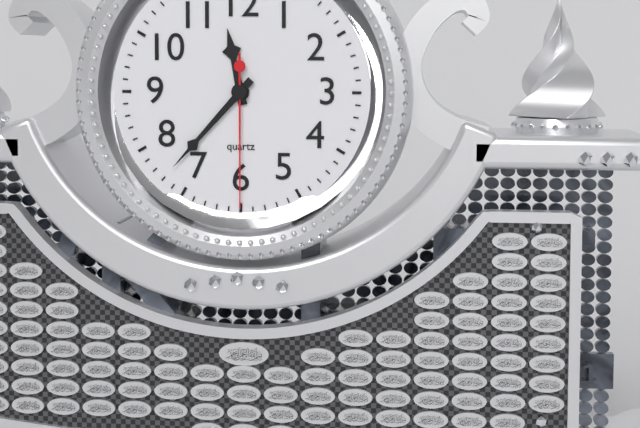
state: 11:37:30
